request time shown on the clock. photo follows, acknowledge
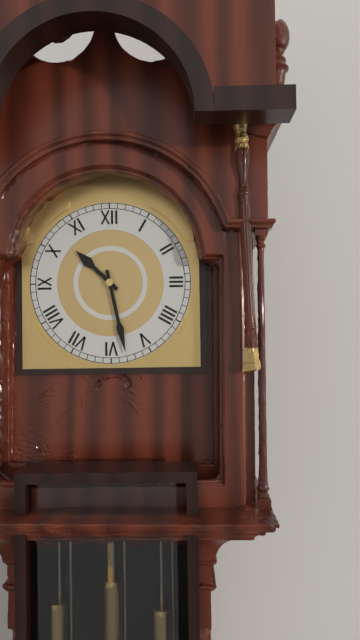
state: 10:28
